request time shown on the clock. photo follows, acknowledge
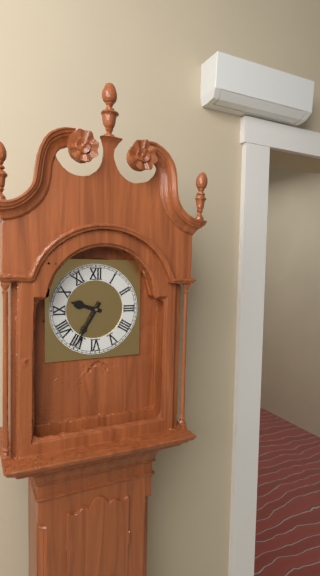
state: 9:35
